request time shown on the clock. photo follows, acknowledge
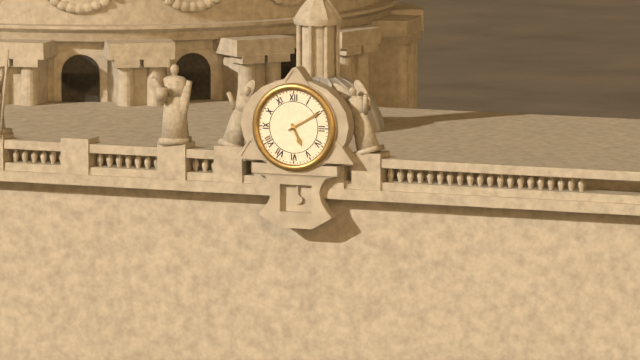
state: 5:10
